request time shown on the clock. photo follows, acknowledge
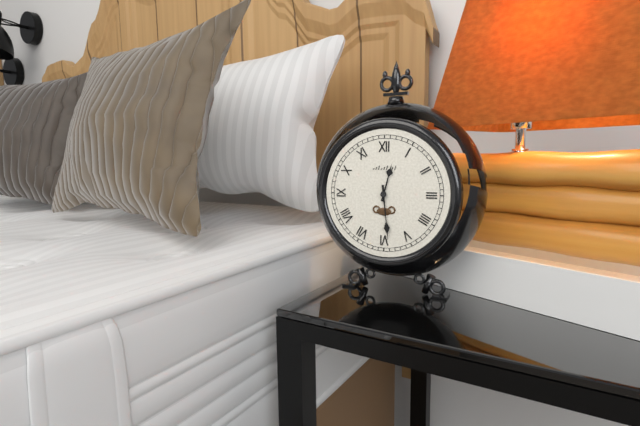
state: 12:29
